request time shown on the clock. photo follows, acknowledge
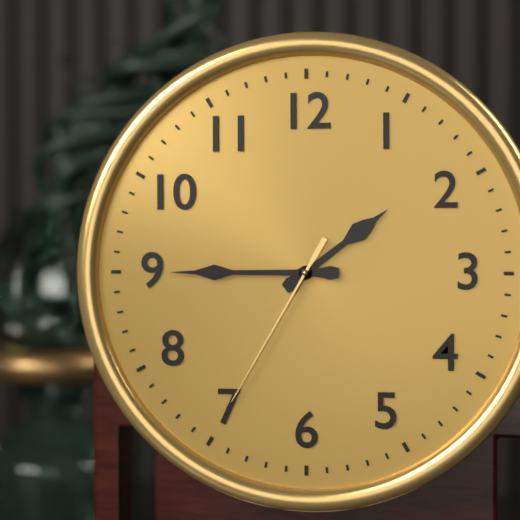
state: 1:45:35
